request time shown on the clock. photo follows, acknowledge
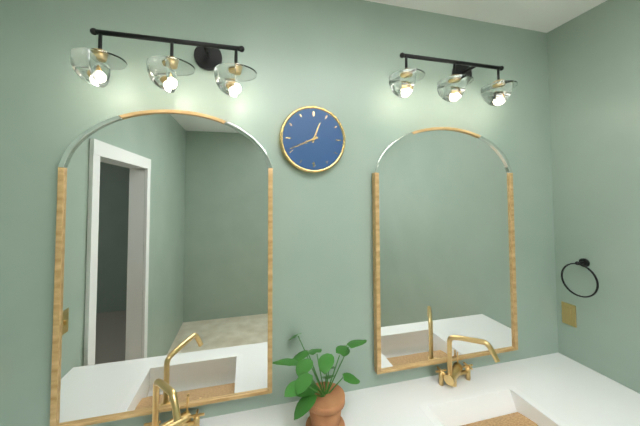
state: 12:41
